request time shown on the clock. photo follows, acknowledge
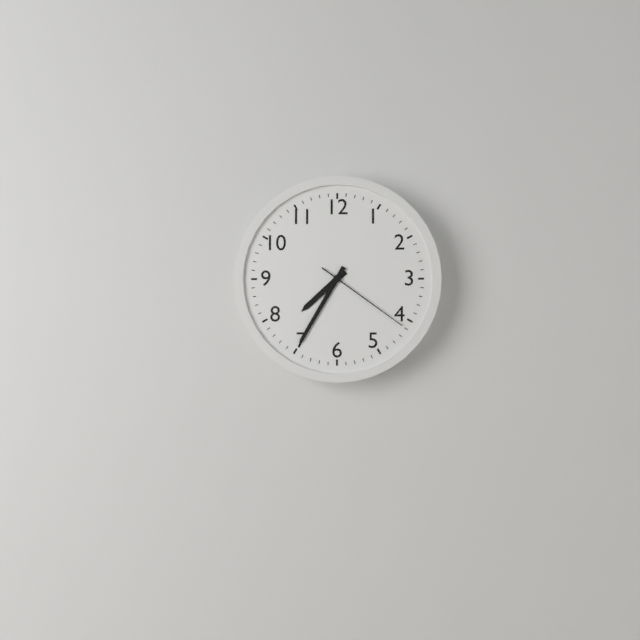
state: 7:35:21
